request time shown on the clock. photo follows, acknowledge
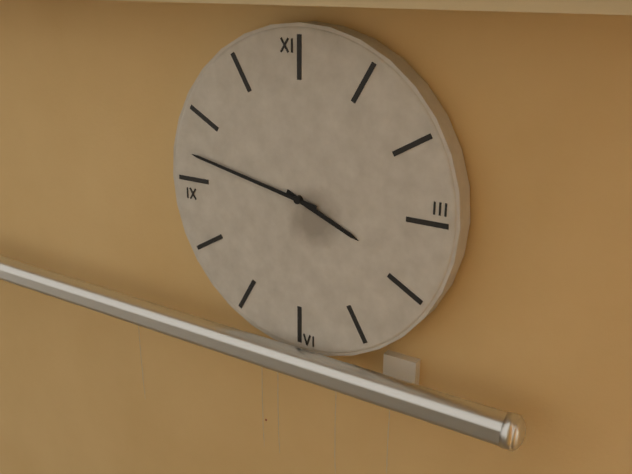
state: 3:47
